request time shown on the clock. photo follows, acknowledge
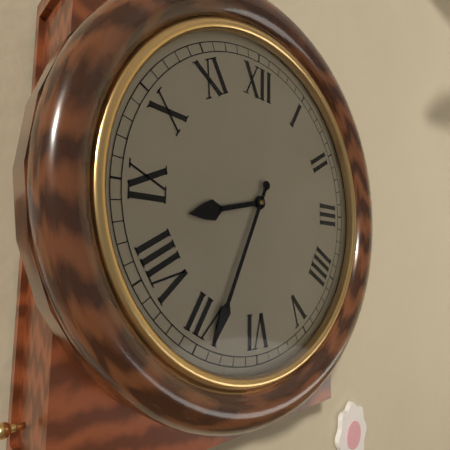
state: 8:34
